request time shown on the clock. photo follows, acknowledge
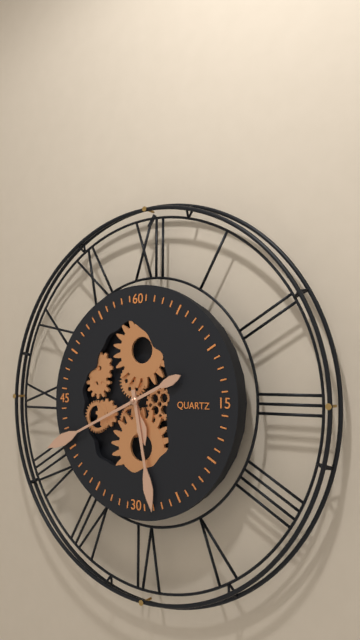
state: 5:28:41
